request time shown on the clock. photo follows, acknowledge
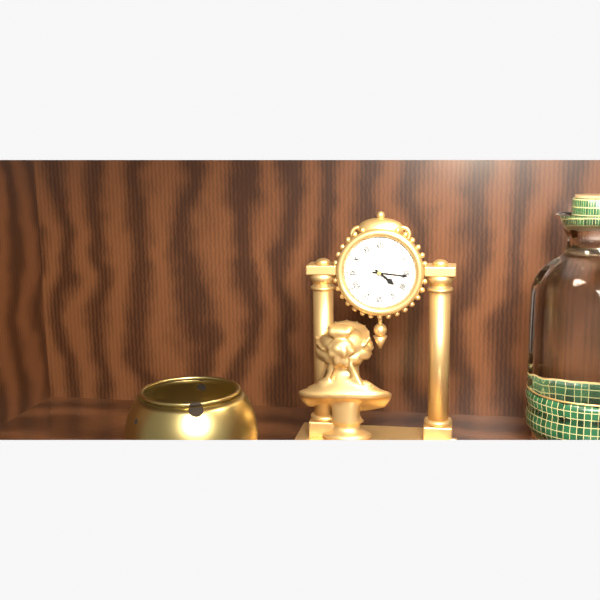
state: 4:16
